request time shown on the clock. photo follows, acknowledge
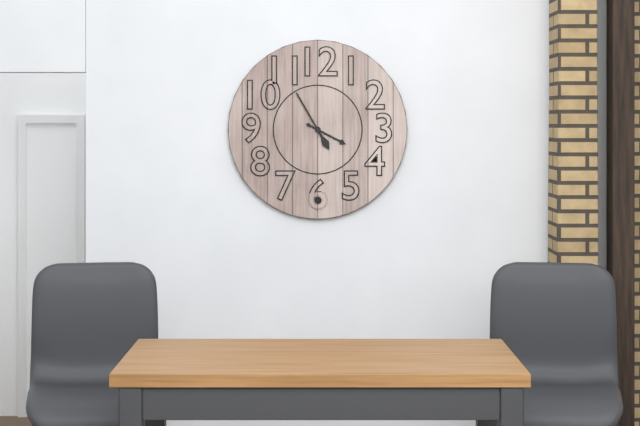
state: 3:55
